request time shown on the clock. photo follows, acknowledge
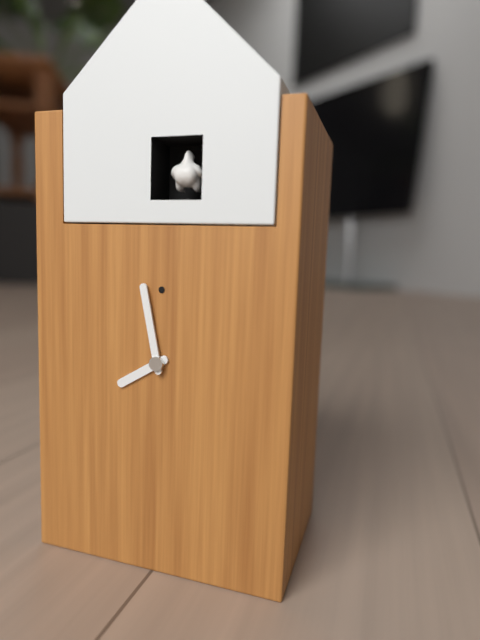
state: 7:58
